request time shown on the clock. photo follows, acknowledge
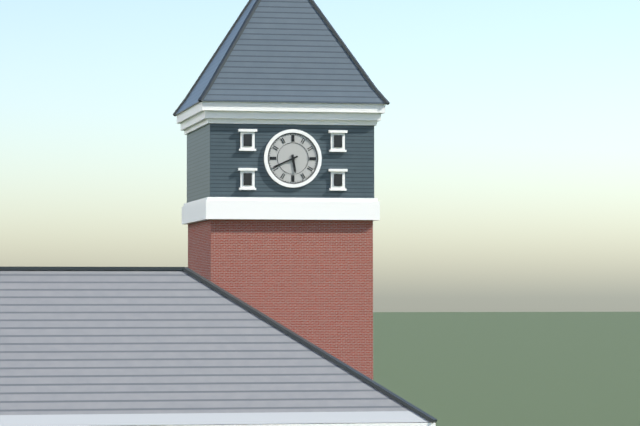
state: 5:41
